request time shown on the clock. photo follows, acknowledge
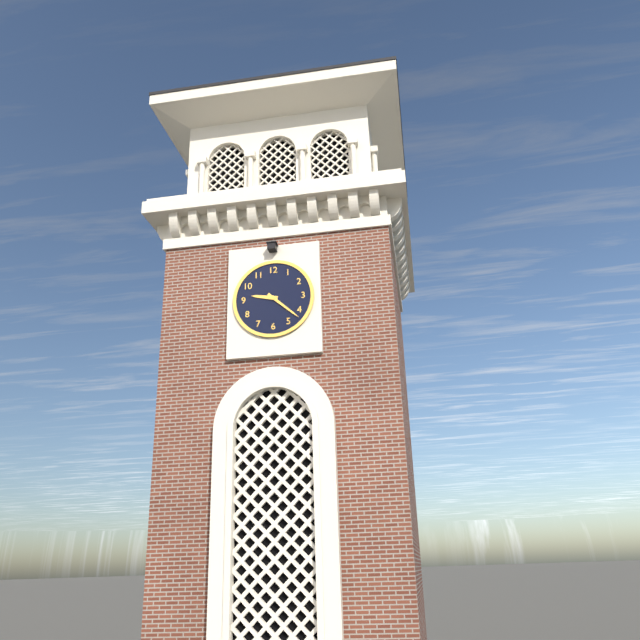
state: 9:22
